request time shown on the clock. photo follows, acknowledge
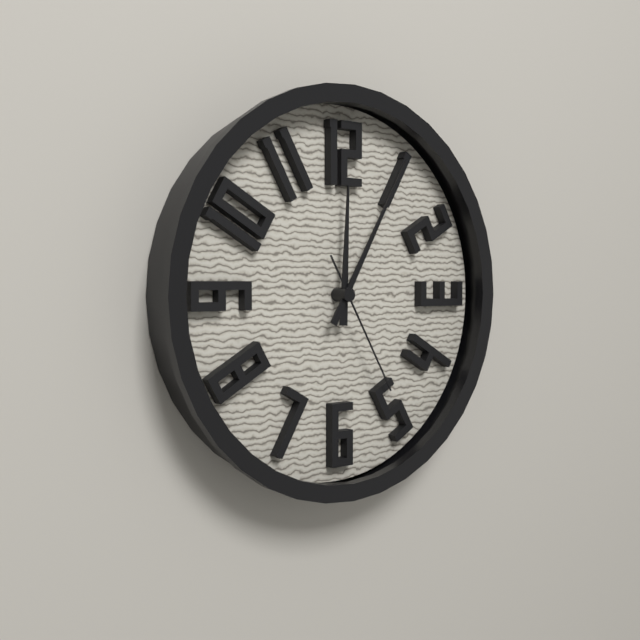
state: 12:05:25
